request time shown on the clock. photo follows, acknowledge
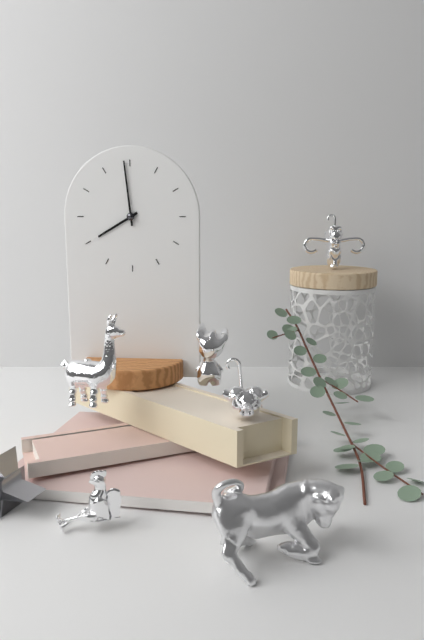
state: 7:59
